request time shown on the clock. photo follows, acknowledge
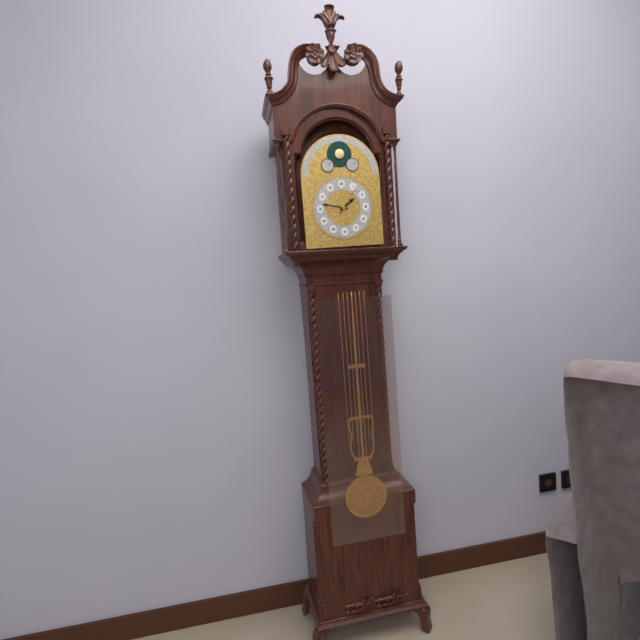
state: 1:47
